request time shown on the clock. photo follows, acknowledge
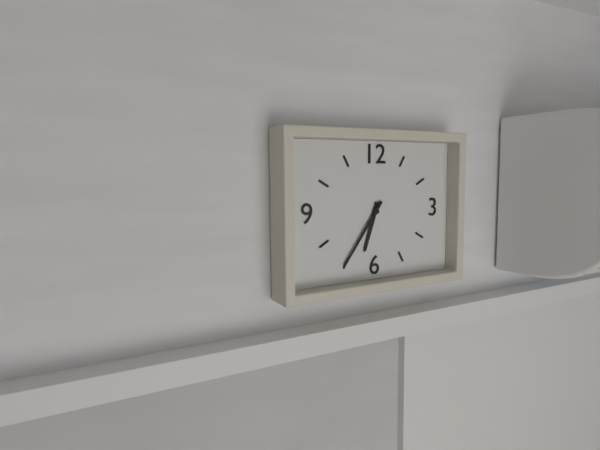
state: 6:36
